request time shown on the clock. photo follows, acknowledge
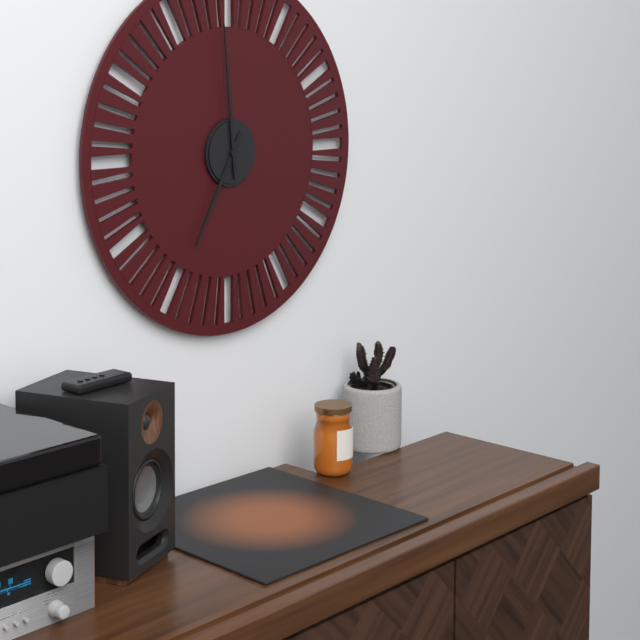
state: 6:59
